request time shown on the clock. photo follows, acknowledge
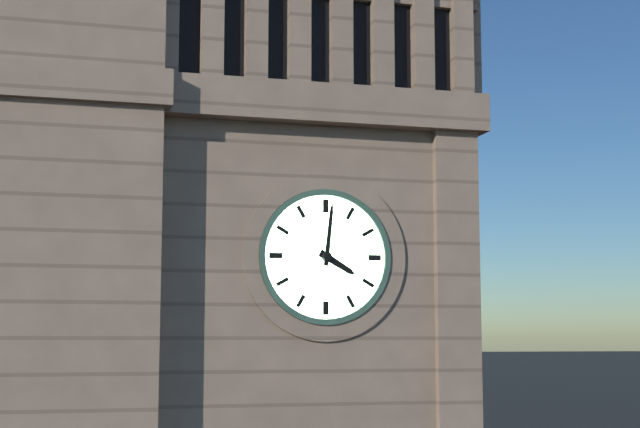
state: 4:01
